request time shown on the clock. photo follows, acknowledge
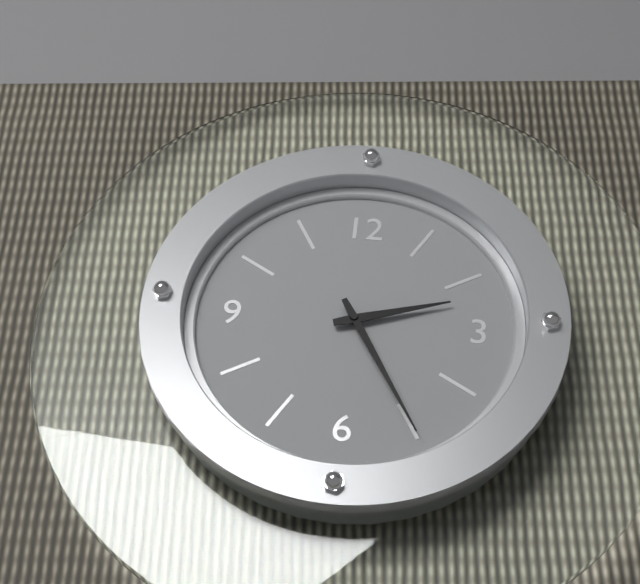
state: 2:25
